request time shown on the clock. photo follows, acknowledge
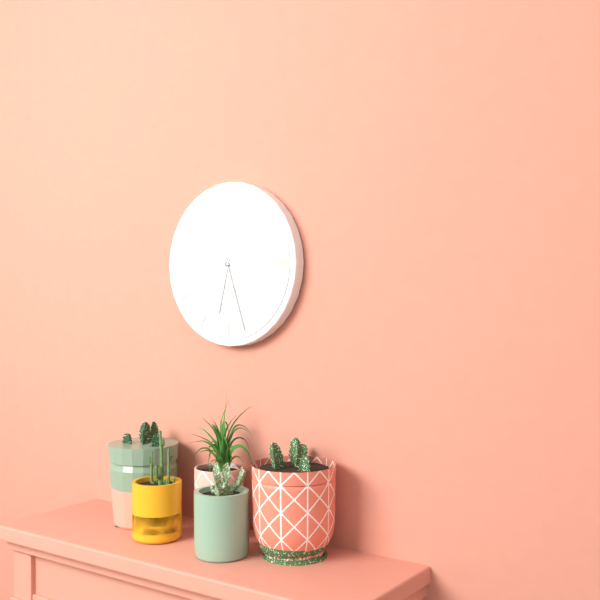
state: 6:27
